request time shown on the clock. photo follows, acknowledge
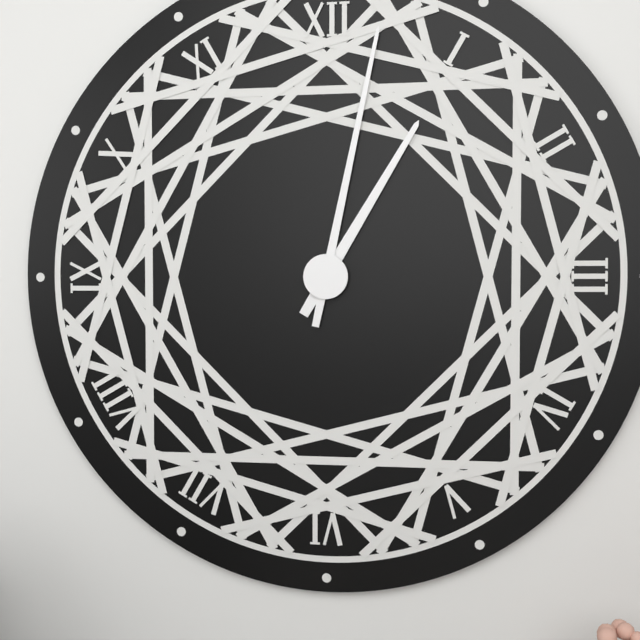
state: 1:02
